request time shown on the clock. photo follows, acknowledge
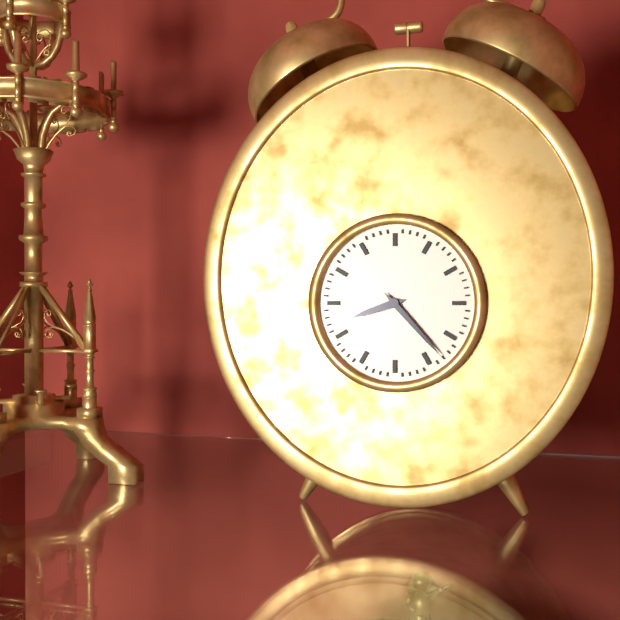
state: 8:23
